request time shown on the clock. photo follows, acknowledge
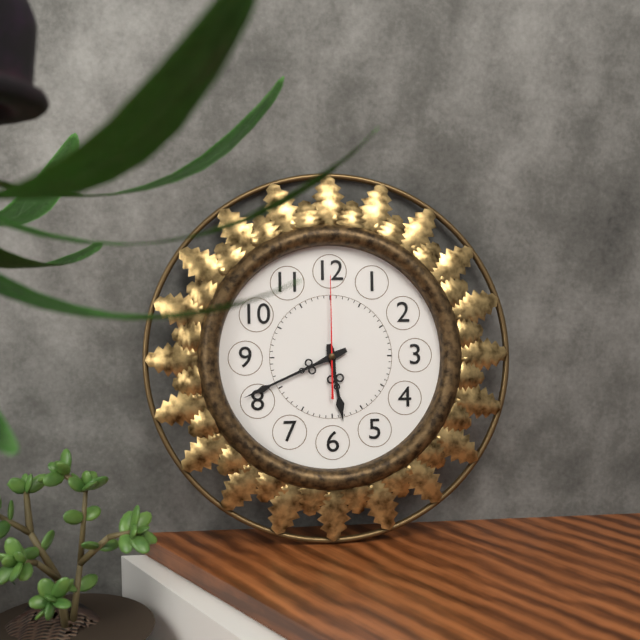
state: 5:41:00
